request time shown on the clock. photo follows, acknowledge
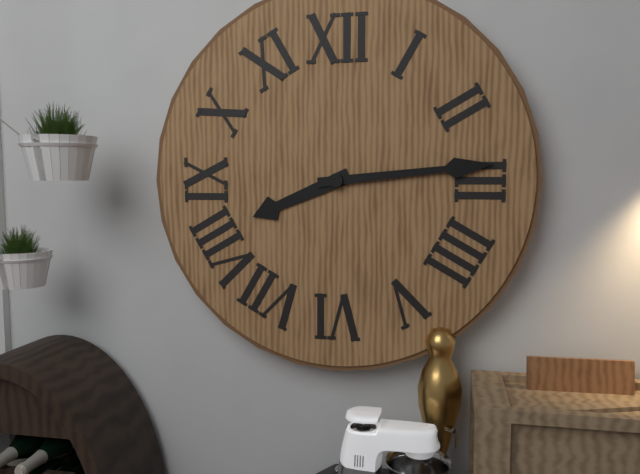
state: 8:14
